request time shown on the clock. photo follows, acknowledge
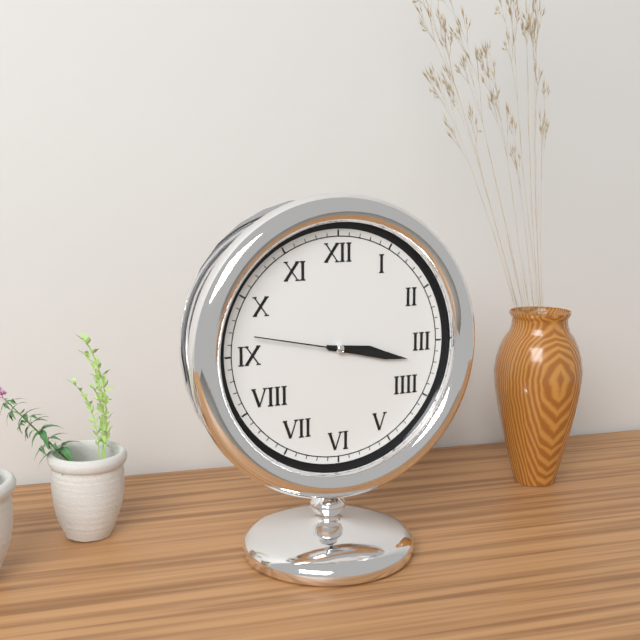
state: 3:17:47
